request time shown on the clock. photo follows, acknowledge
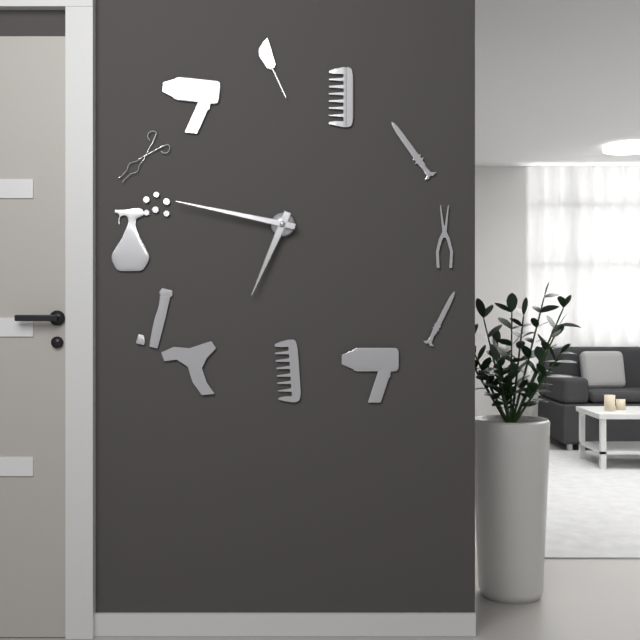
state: 6:47
